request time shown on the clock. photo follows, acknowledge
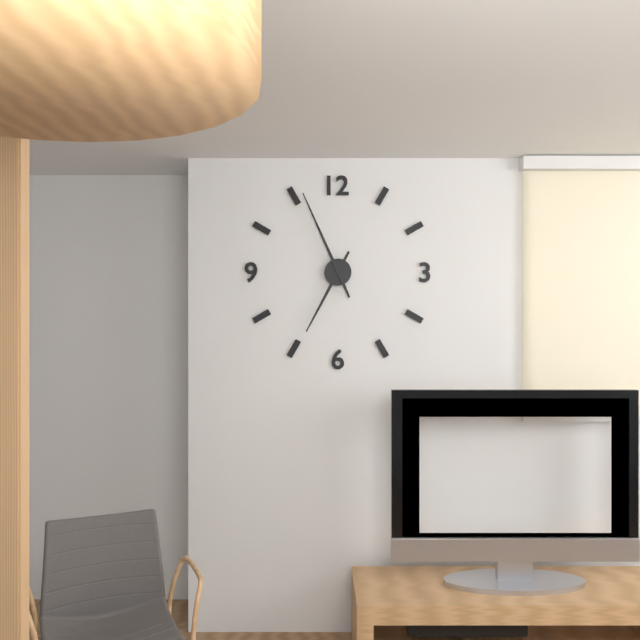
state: 6:56
